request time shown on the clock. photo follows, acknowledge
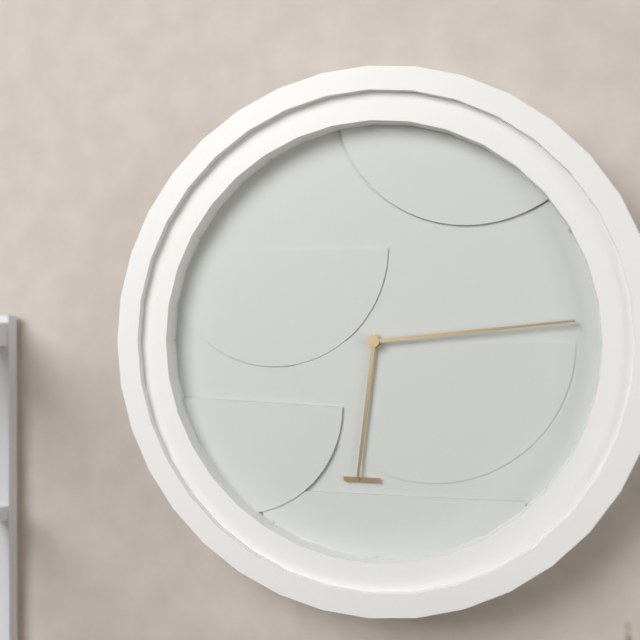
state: 6:14
